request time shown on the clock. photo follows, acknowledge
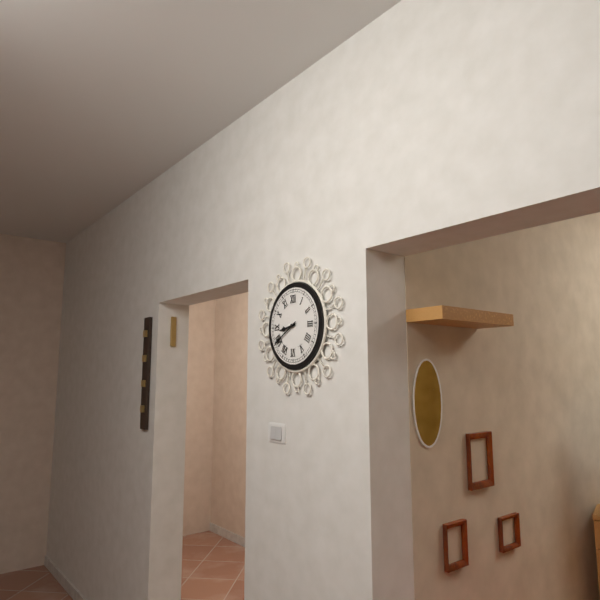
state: 8:40
